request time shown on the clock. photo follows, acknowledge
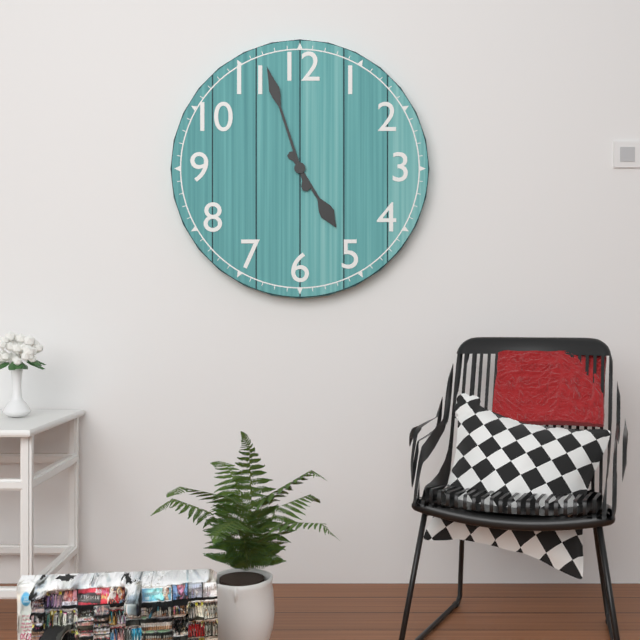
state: 4:57
